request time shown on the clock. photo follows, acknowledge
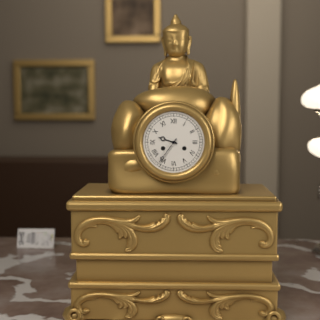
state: 9:36
